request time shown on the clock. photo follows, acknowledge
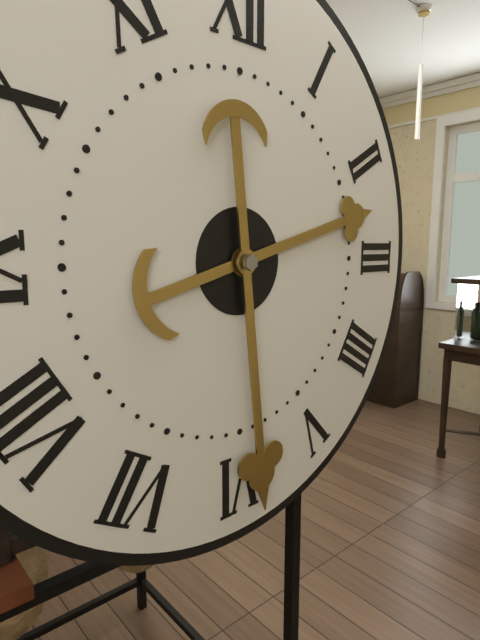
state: 2:29
